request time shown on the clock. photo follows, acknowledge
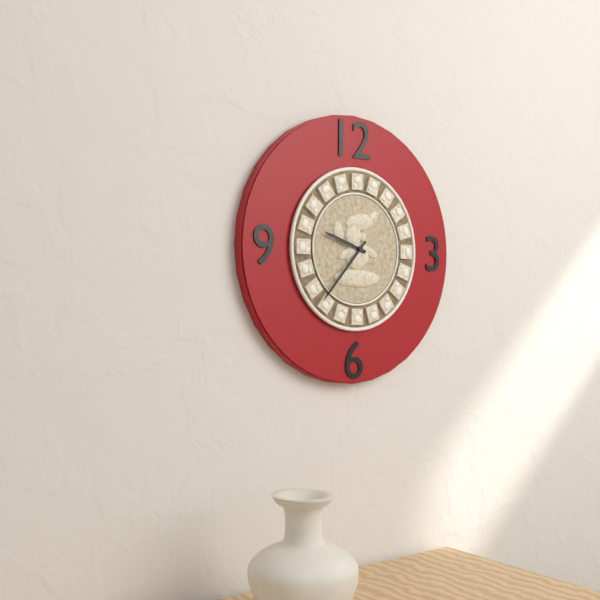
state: 9:37
